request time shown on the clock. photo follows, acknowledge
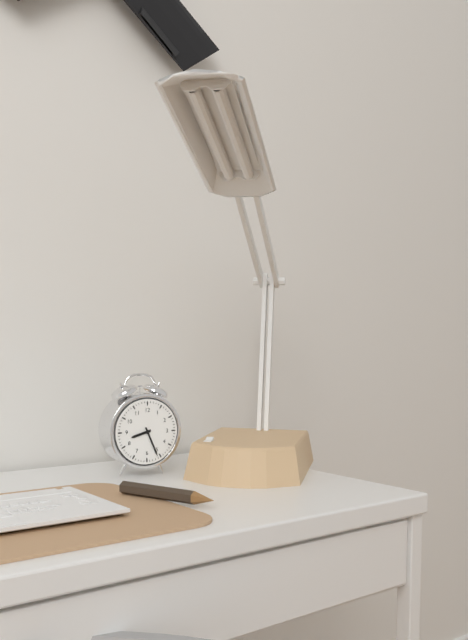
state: 8:26
